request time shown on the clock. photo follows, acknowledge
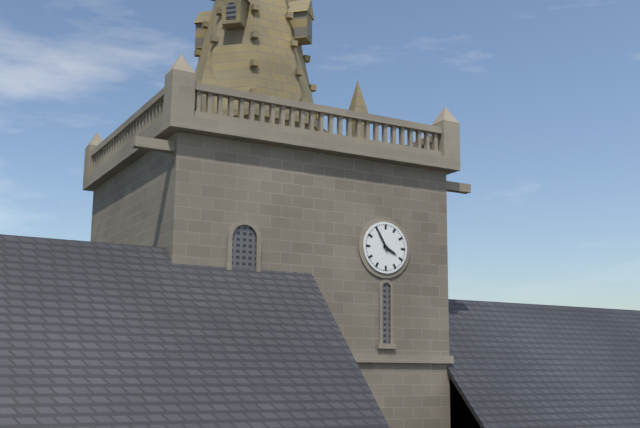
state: 3:55
